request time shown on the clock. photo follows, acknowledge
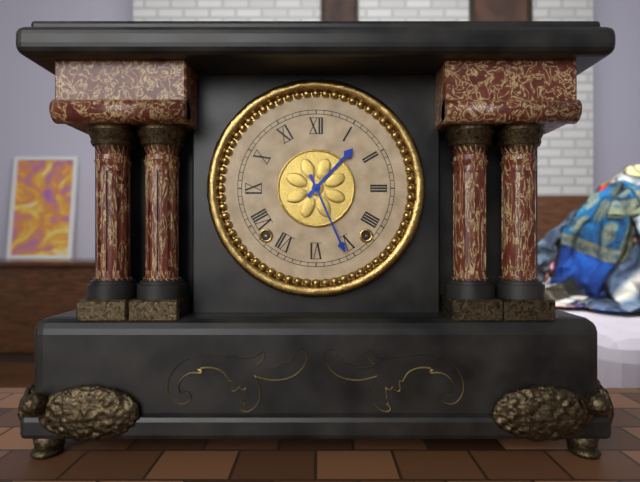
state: 1:26
